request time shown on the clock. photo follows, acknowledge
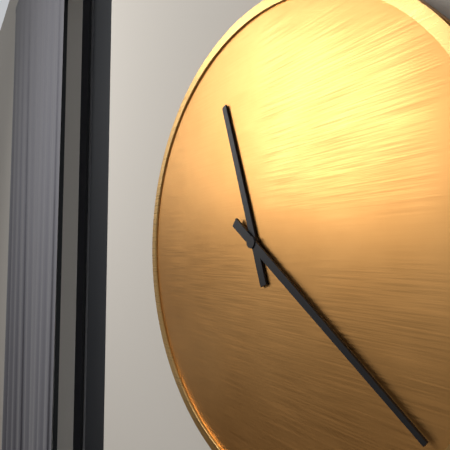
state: 11:21
